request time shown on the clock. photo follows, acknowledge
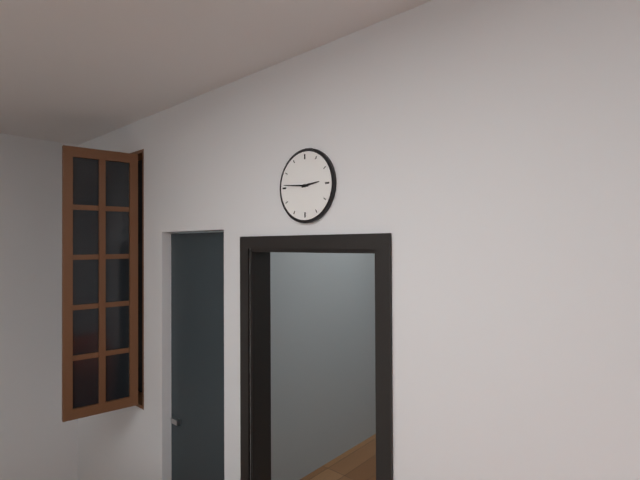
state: 2:46
